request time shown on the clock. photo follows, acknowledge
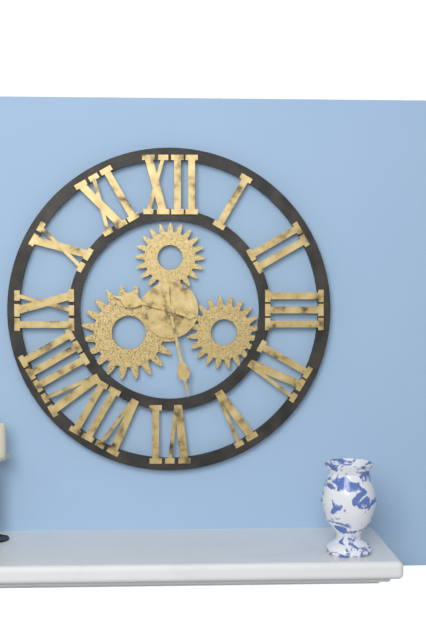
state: 9:28
